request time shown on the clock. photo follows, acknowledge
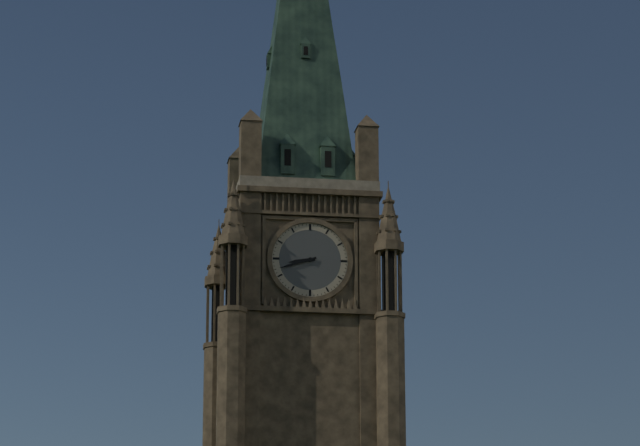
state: 8:42
